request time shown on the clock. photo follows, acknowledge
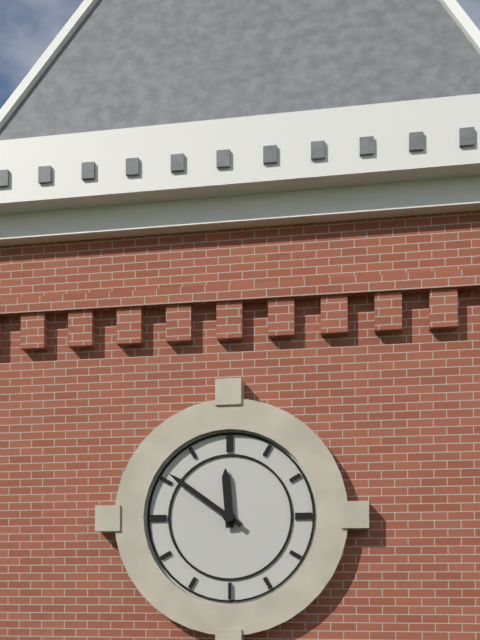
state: 11:51
